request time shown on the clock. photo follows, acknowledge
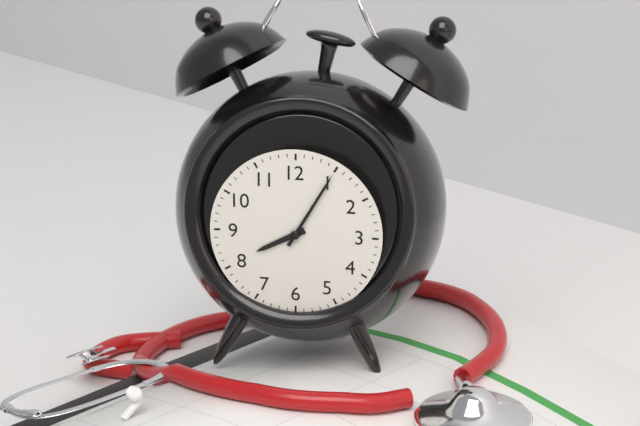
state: 8:05
